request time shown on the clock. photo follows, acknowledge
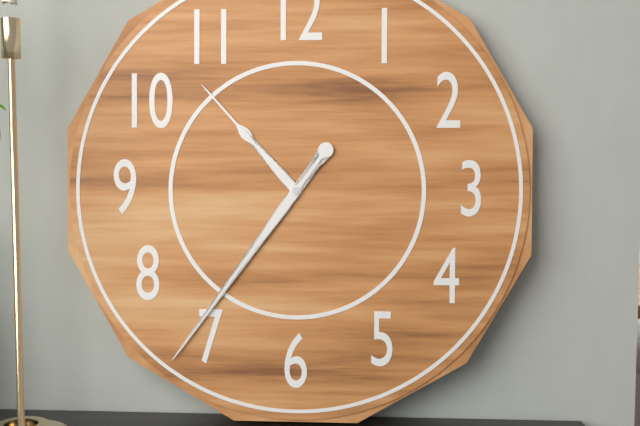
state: 10:36
